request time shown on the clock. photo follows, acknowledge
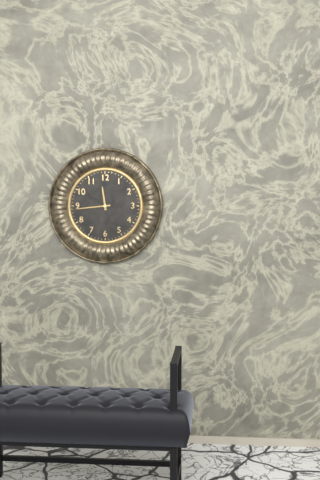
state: 11:44
